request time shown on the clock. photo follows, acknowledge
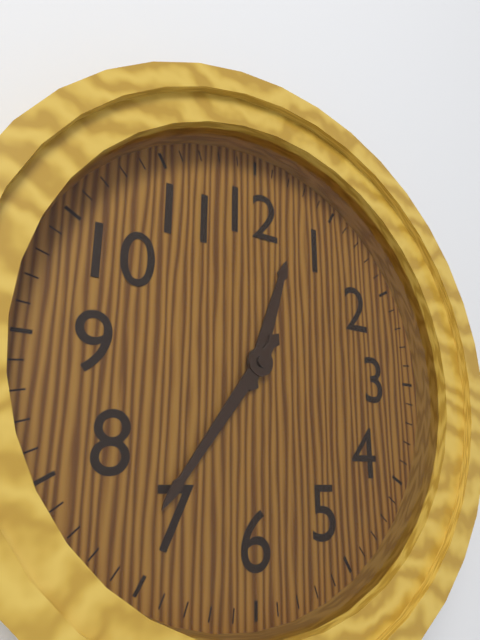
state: 12:36
